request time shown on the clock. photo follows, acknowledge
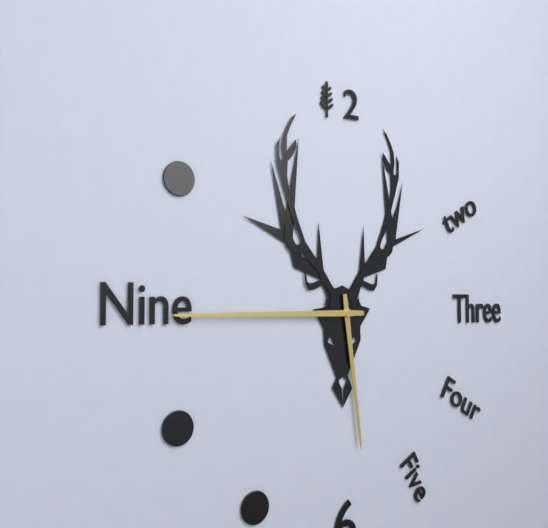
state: 5:45
